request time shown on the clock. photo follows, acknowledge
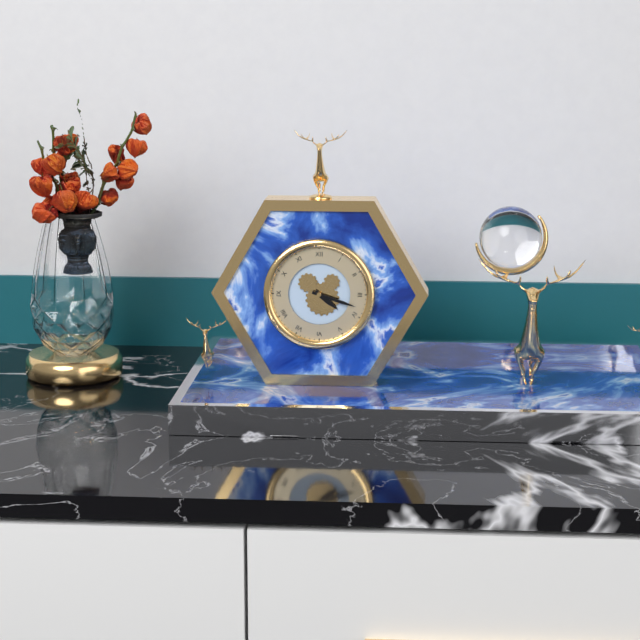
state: 4:18
